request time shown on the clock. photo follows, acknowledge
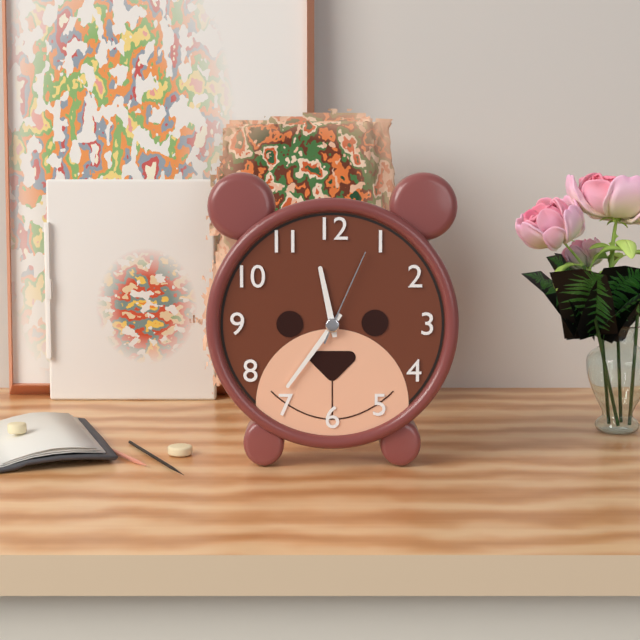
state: 11:36:04
